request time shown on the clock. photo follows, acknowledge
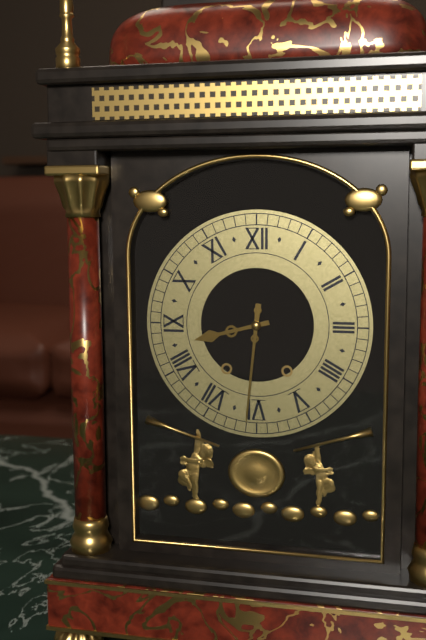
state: 8:31
